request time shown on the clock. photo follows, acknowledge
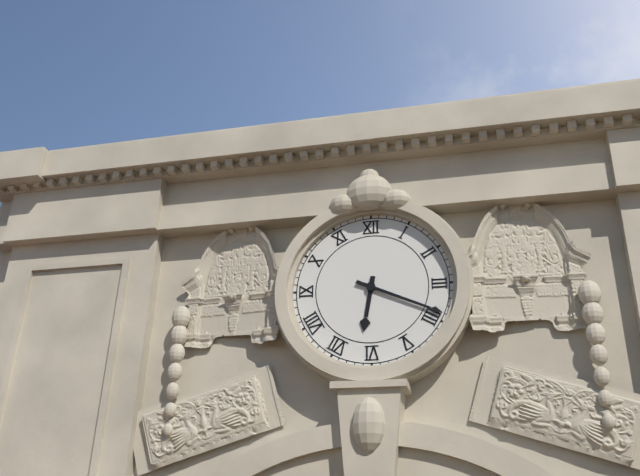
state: 6:19
